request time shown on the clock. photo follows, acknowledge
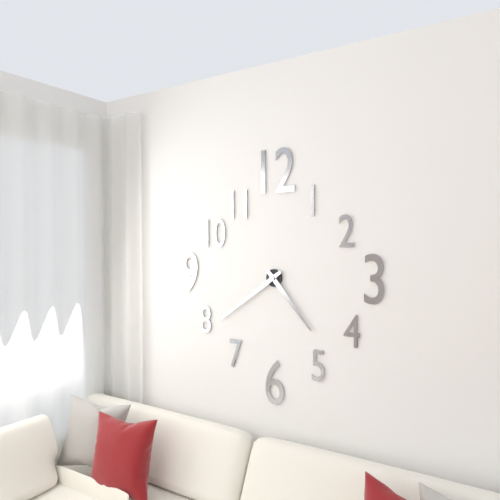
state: 4:39
